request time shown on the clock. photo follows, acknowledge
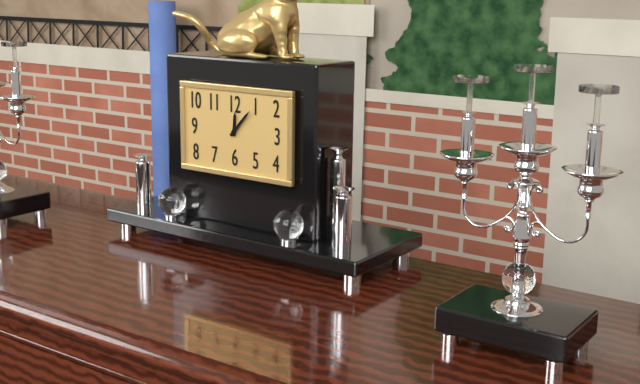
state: 12:07
